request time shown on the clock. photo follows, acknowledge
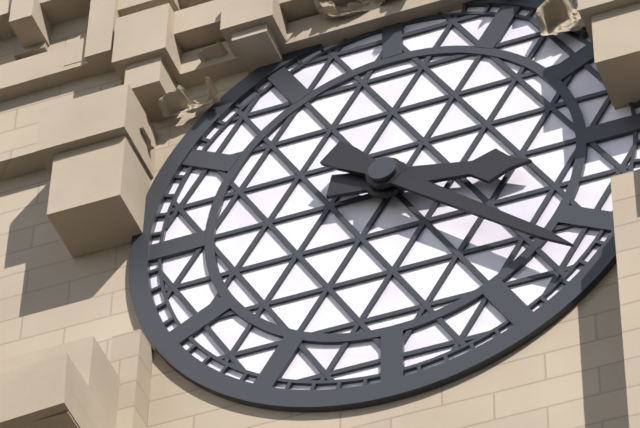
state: 3:22
